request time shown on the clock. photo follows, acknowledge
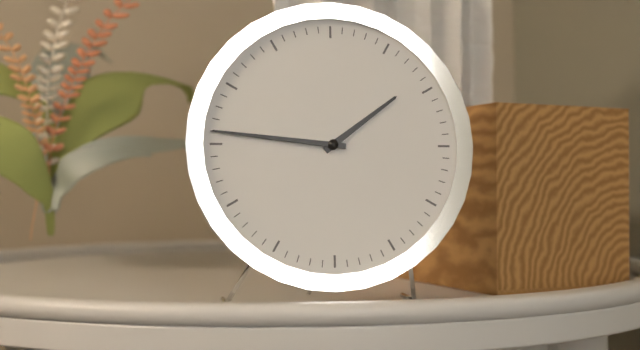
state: 1:46
